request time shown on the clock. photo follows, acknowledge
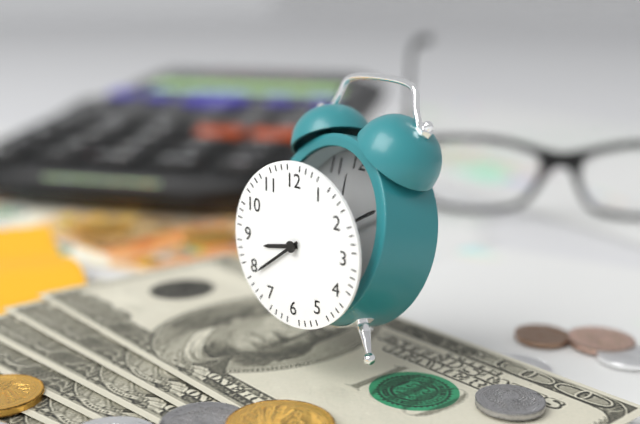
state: 8:39
